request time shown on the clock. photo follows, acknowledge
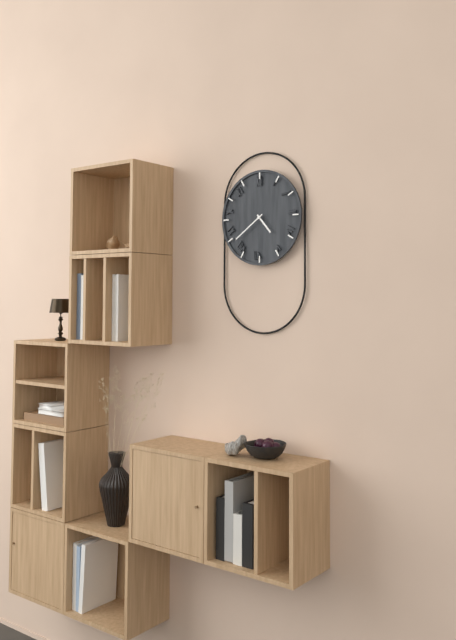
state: 4:39
